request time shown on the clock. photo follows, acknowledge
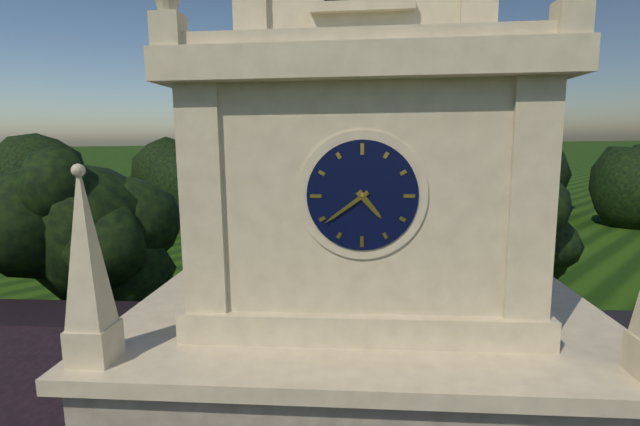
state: 4:39
